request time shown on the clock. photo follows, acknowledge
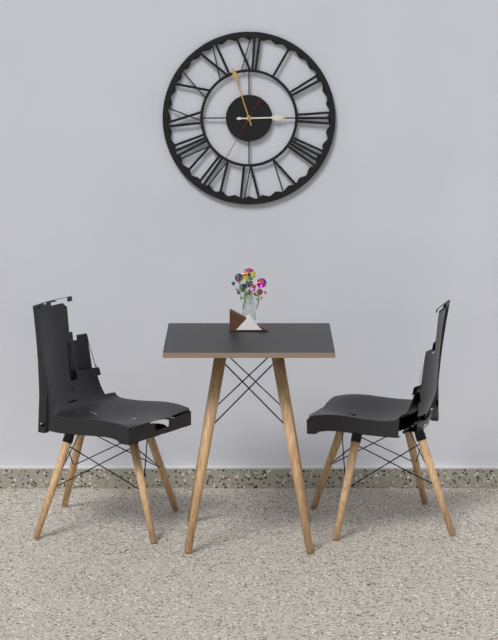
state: 2:57:35
